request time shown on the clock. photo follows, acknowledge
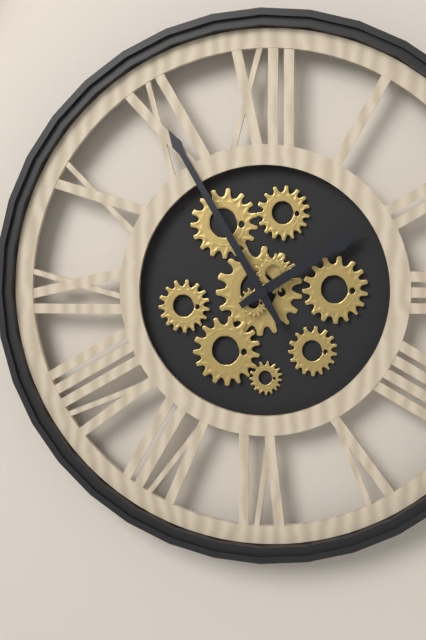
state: 1:55
